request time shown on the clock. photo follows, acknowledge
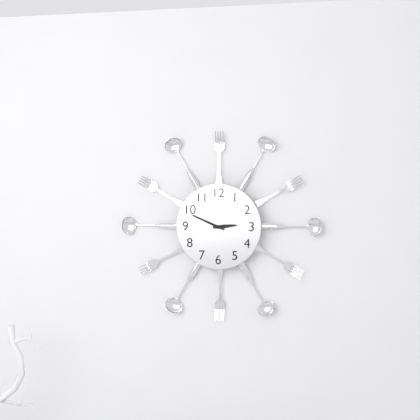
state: 2:49
